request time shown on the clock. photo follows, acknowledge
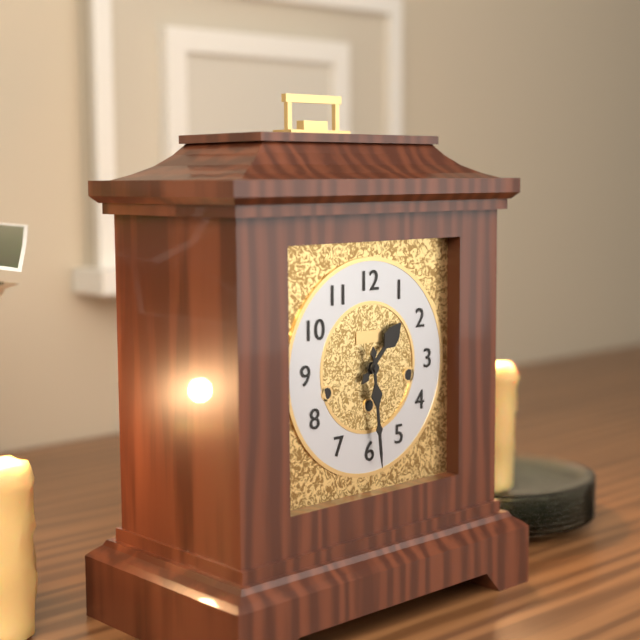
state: 1:29
